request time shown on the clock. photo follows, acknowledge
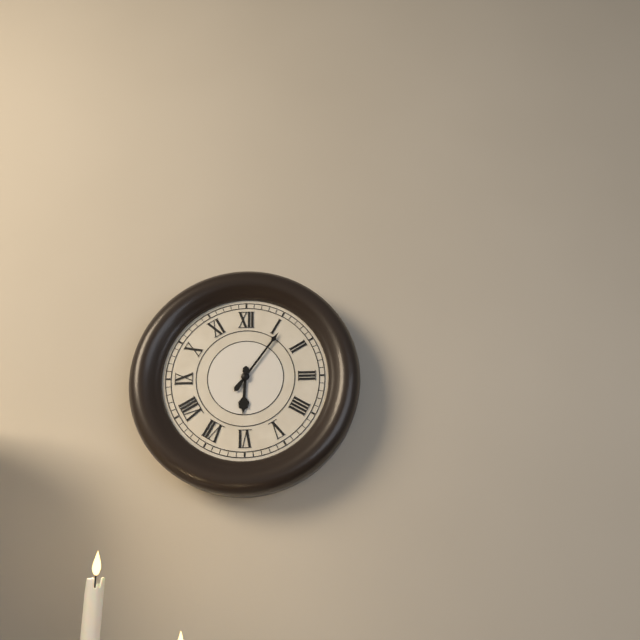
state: 6:06
